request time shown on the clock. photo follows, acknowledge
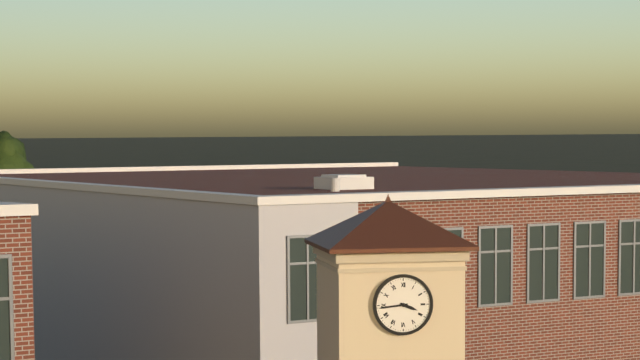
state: 3:44
